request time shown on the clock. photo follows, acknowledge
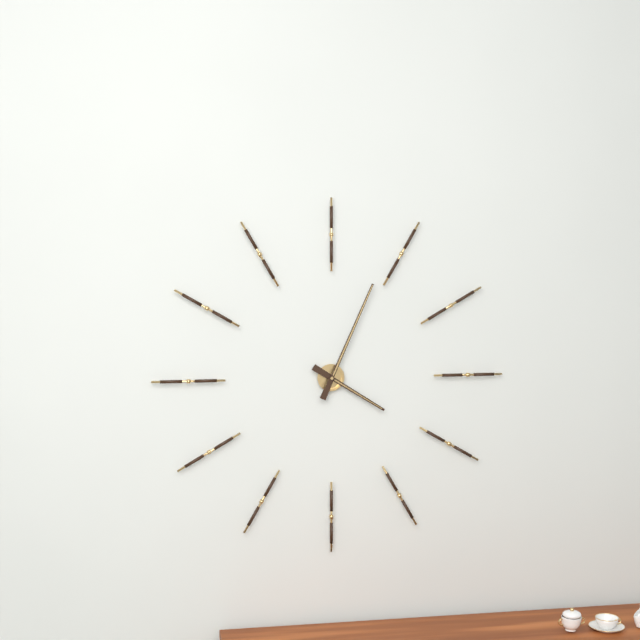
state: 4:04
